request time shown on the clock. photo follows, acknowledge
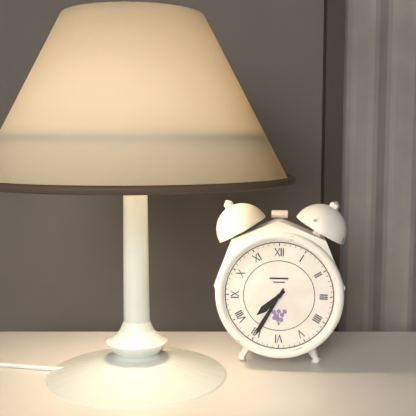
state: 7:35
